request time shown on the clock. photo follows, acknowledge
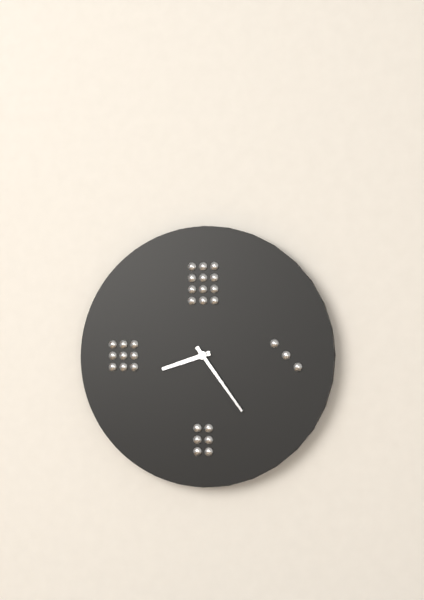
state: 8:24
